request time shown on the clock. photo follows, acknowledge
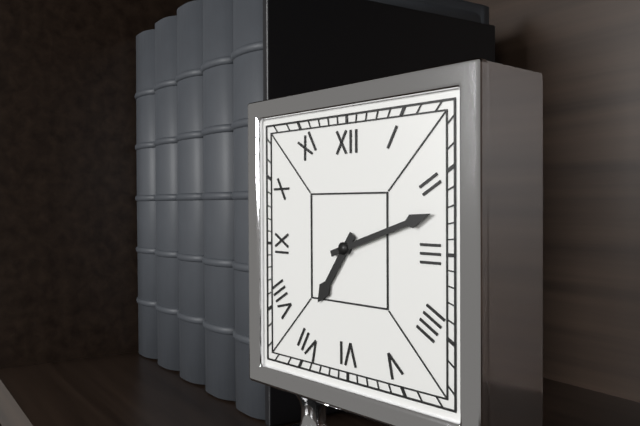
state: 7:12
